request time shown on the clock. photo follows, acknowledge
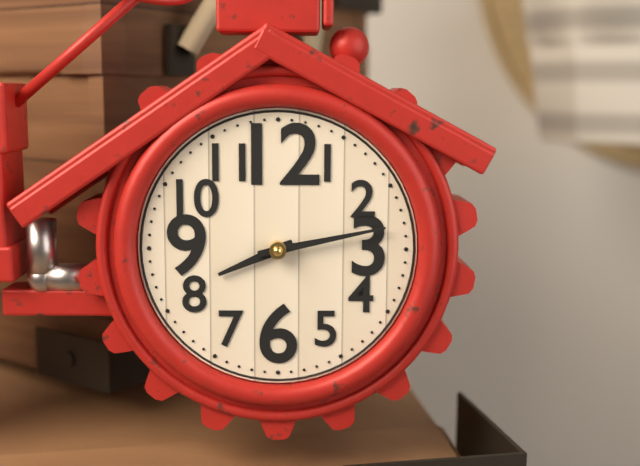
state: 8:13
